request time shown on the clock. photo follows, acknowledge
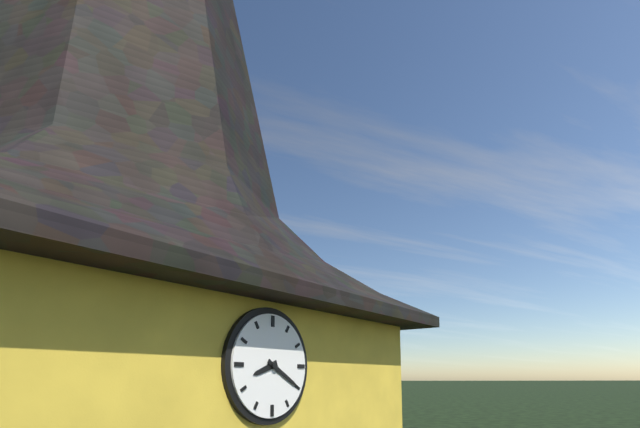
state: 8:20
